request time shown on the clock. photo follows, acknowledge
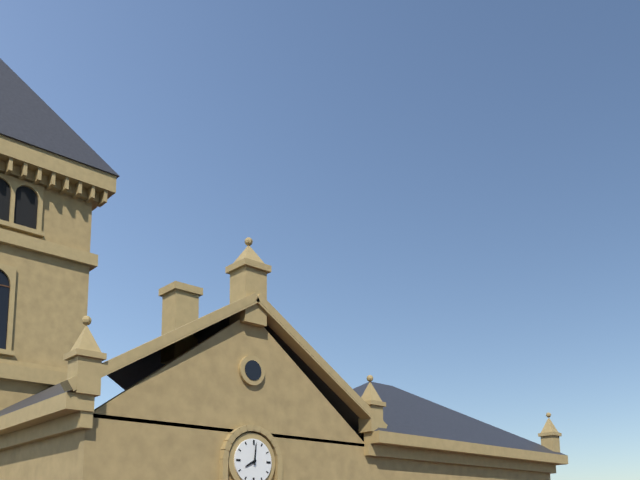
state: 8:01
